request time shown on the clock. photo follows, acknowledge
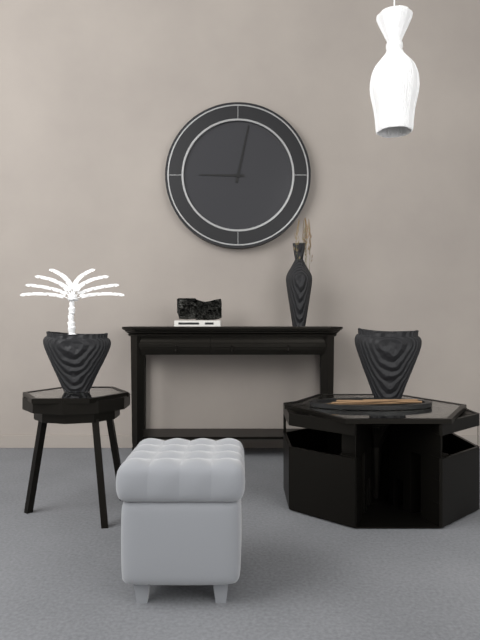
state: 9:02
